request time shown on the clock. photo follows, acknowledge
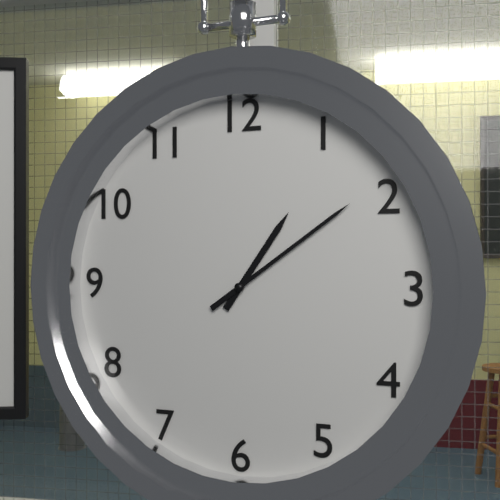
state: 1:09
